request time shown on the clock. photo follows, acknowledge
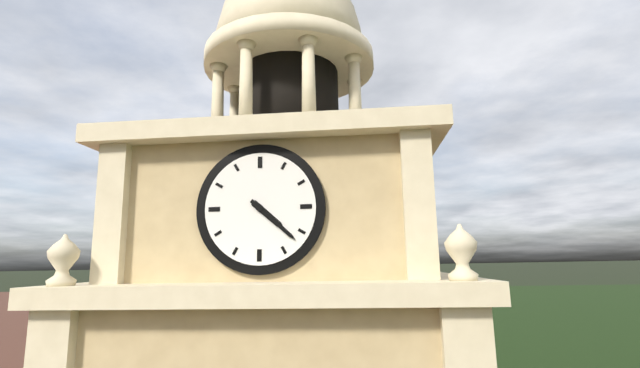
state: 4:22
